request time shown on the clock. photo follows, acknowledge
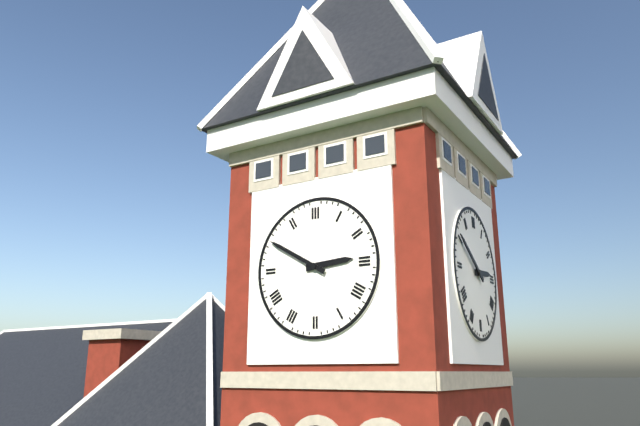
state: 2:50
